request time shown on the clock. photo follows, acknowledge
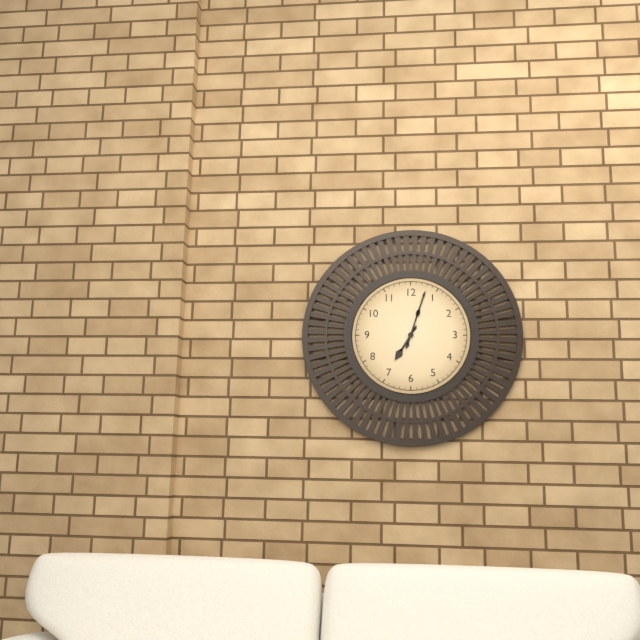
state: 7:03
